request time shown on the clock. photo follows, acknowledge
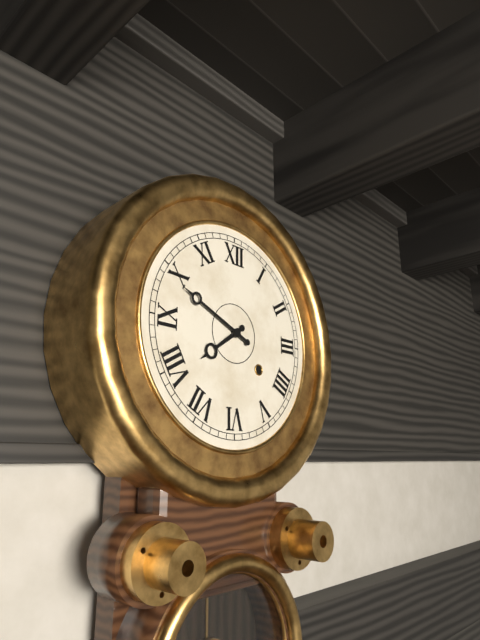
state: 7:49
